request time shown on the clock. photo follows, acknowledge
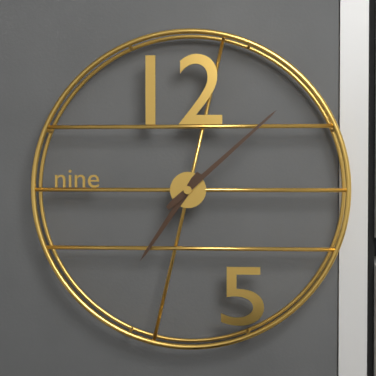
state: 7:08
